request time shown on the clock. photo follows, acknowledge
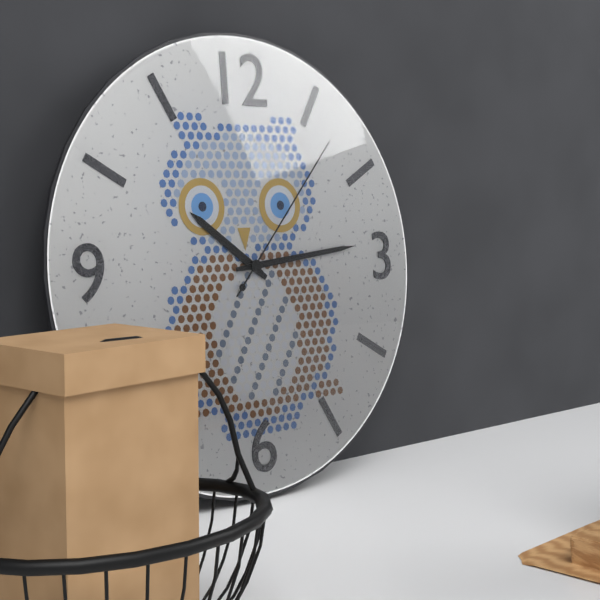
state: 10:14:07
